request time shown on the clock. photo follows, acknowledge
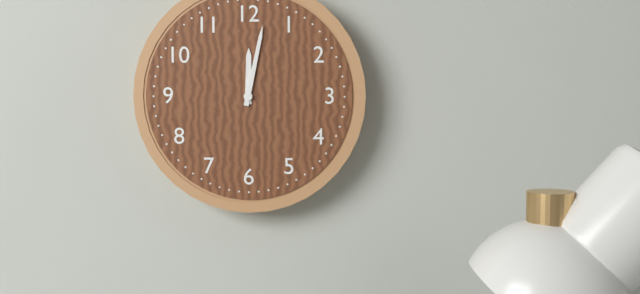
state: 12:02
